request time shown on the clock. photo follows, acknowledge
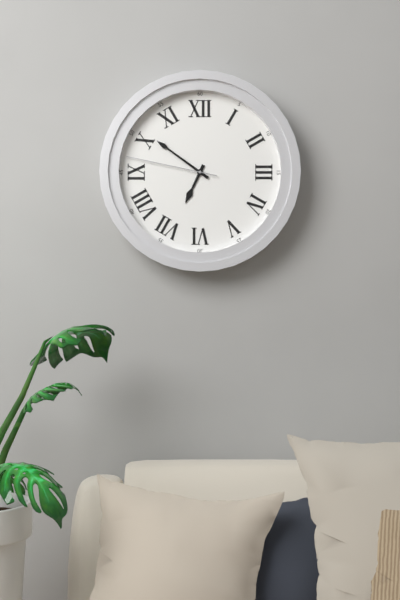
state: 6:51:47
